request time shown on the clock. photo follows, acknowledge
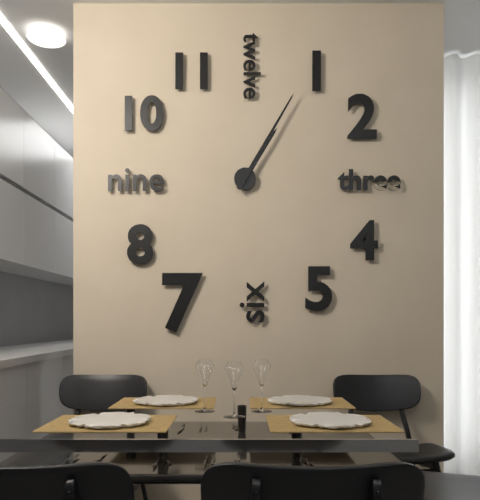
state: 1:05
